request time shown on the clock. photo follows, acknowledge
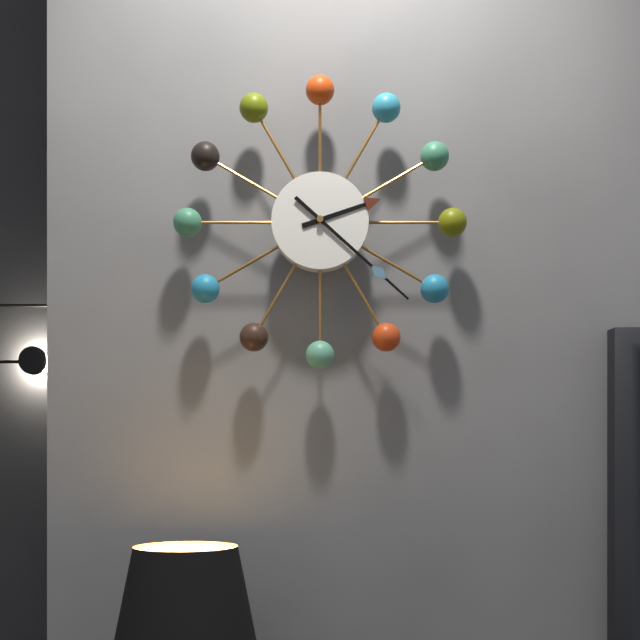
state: 2:22
